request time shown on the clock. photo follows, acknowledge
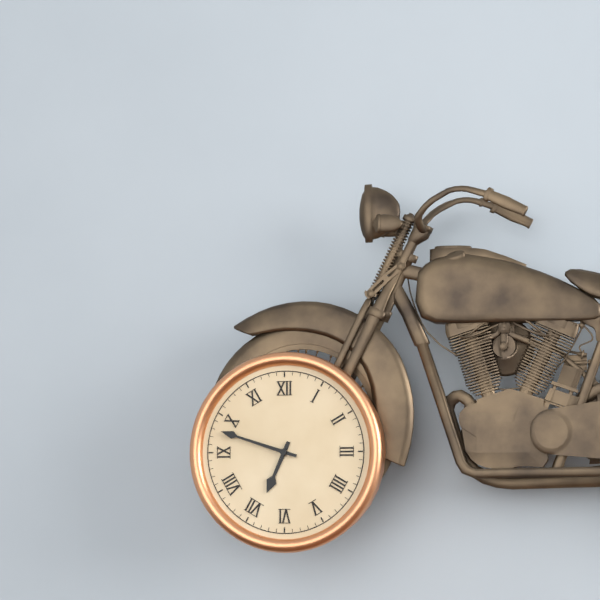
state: 6:48
